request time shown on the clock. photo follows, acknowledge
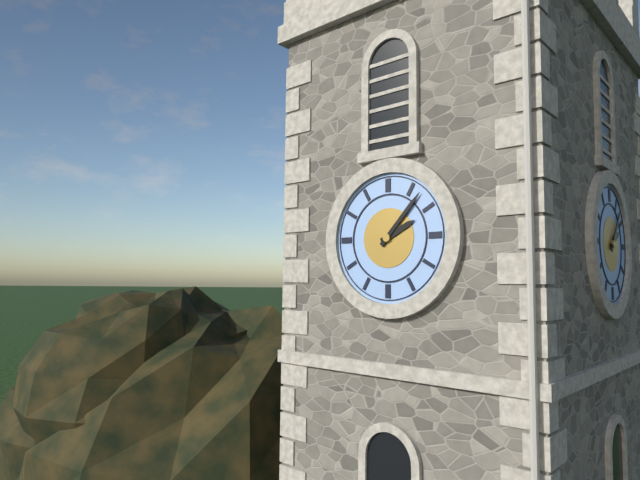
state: 2:07
